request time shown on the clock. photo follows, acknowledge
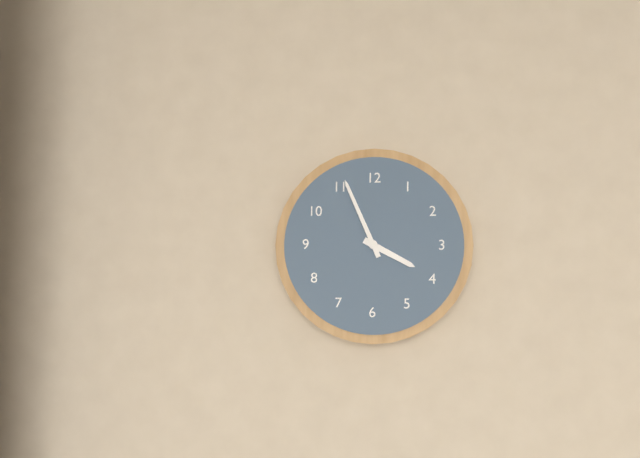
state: 3:56
